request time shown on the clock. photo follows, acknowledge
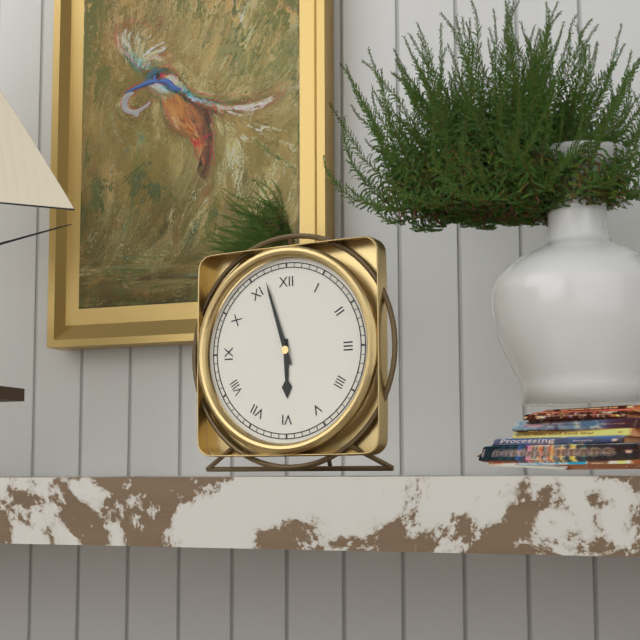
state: 5:57
